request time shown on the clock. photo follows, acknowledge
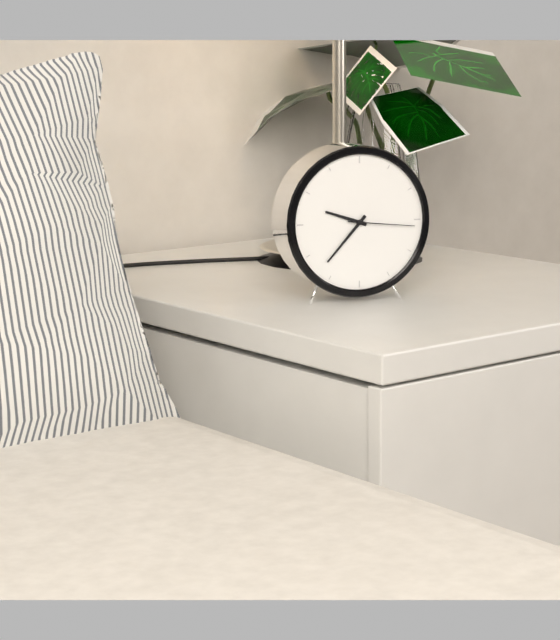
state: 9:37:16
